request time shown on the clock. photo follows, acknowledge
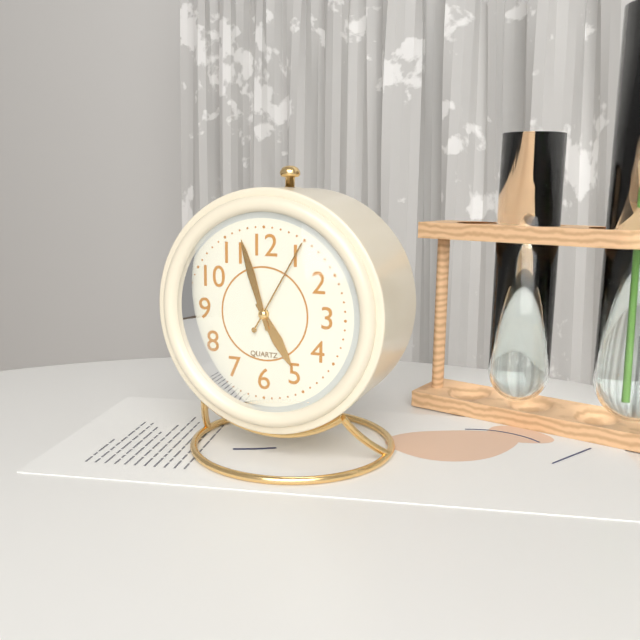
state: 4:57:05
